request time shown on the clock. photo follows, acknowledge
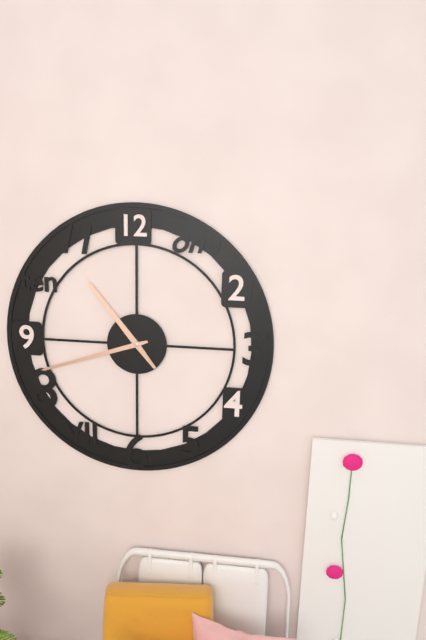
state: 10:42
